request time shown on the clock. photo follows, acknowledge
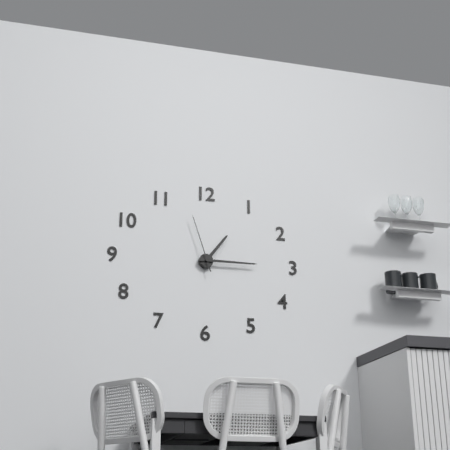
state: 1:15:57
